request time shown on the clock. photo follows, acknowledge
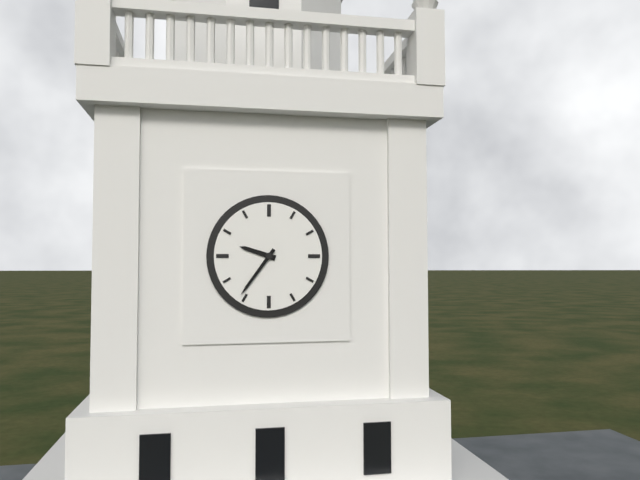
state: 9:36
